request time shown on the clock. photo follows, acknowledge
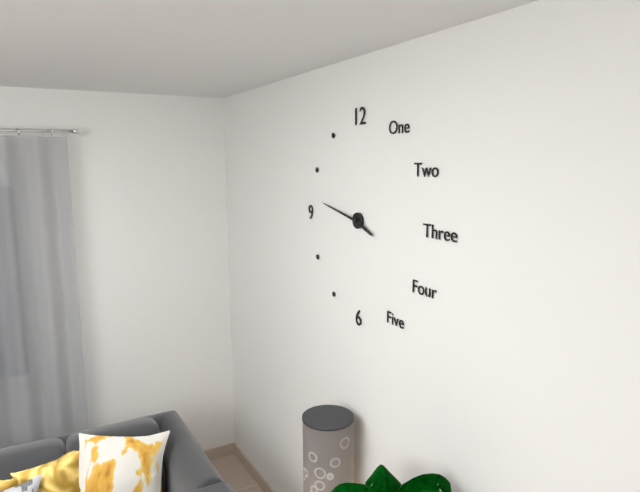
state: 3:47
